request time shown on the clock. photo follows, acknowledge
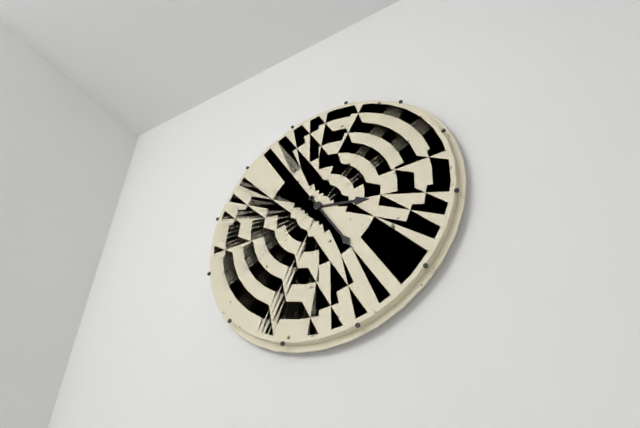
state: 3:25
